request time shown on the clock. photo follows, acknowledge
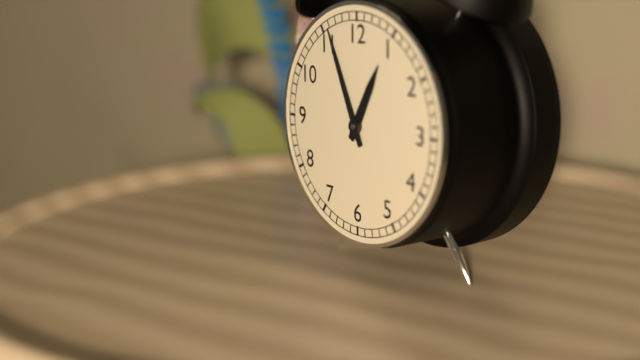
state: 12:56
